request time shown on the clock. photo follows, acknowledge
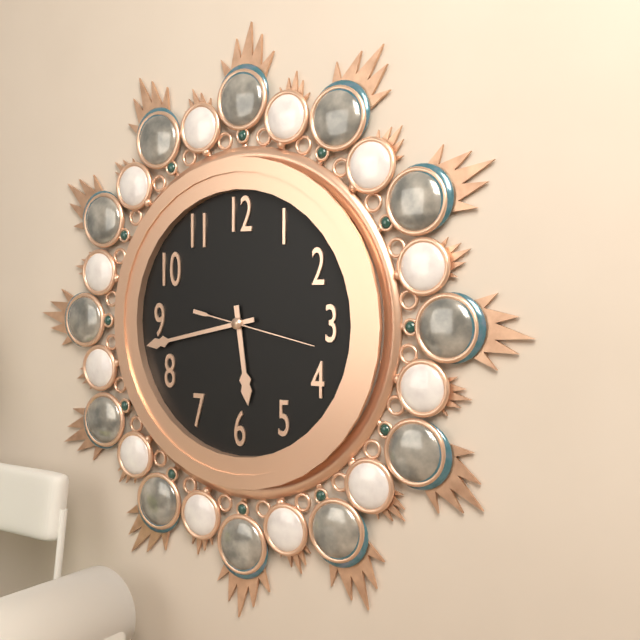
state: 5:43:17
